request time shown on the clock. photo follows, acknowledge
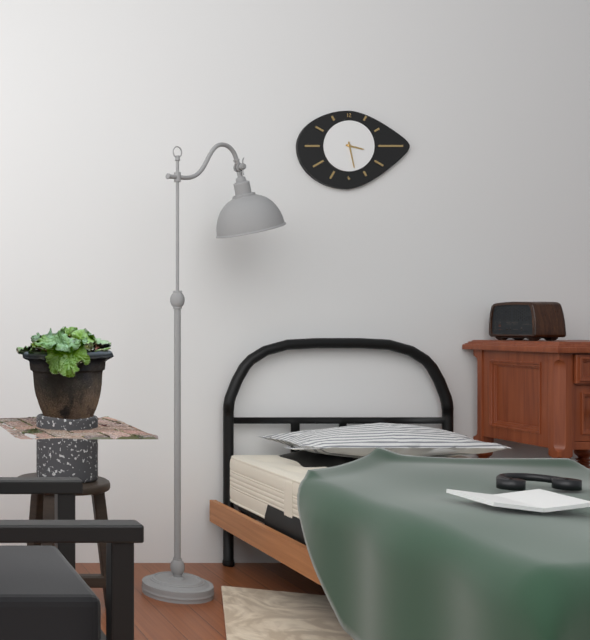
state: 3:28
